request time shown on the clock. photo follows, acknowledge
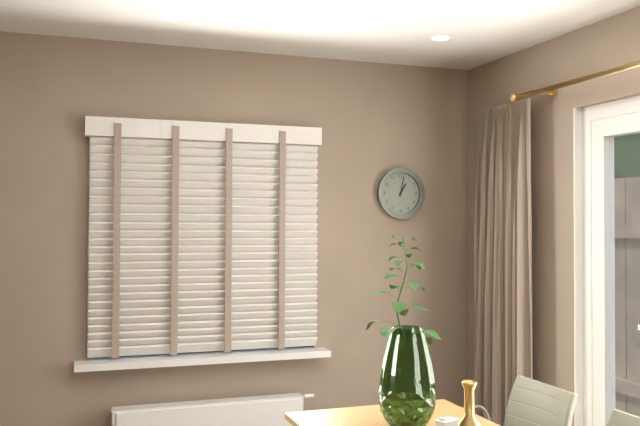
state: 1:02
